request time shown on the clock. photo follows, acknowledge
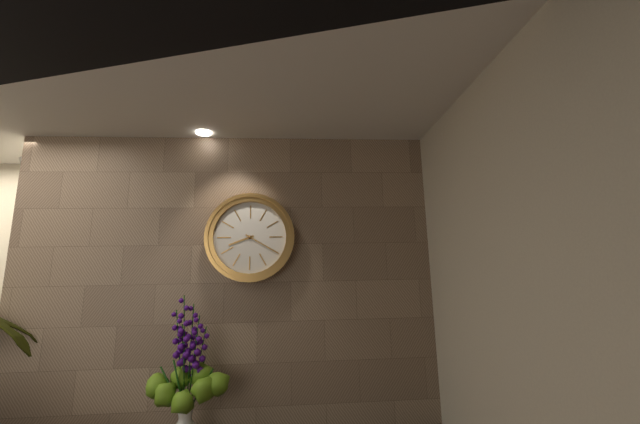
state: 8:20
